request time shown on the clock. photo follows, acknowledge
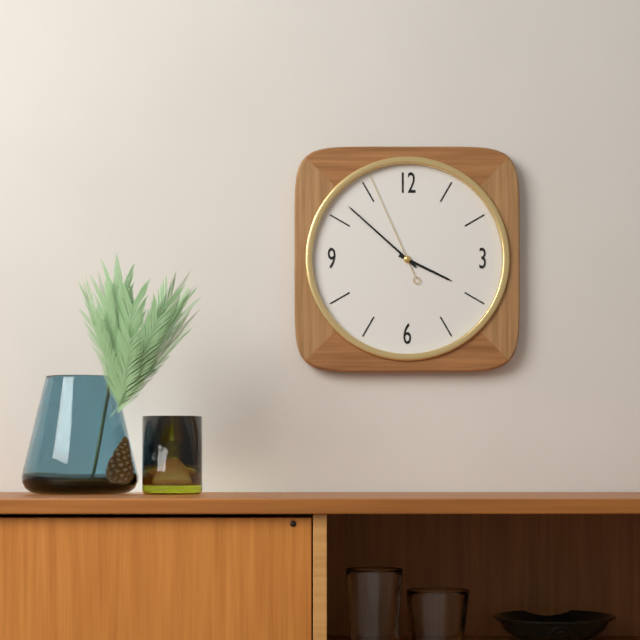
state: 3:52:56
